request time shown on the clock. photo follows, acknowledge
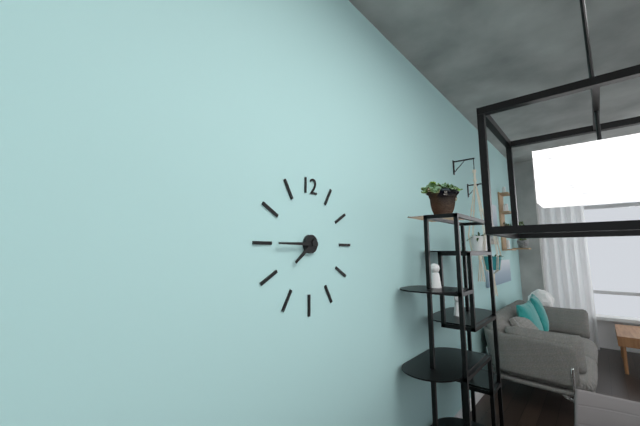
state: 7:45
